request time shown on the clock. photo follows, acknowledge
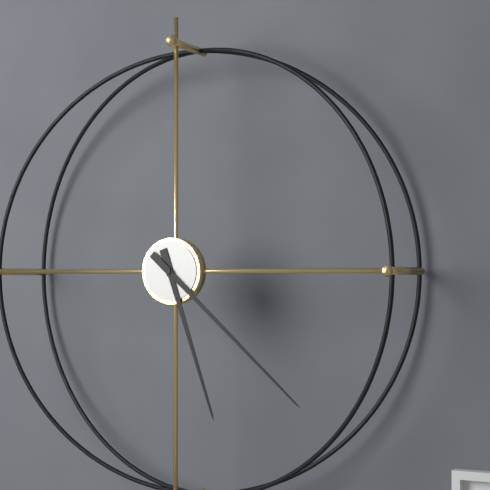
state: 5:22
